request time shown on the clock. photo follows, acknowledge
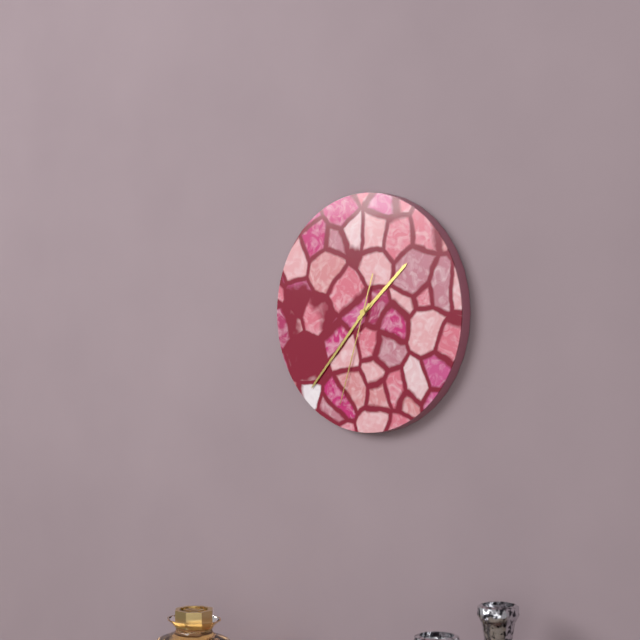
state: 1:37:33
